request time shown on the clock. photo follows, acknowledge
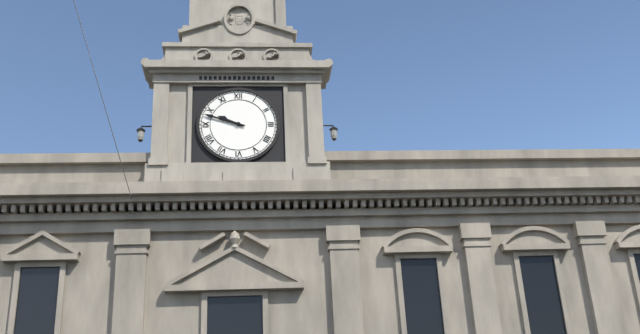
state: 9:48
